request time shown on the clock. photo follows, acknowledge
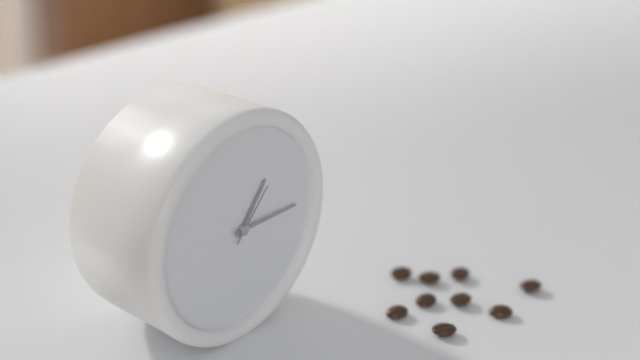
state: 1:15:07
